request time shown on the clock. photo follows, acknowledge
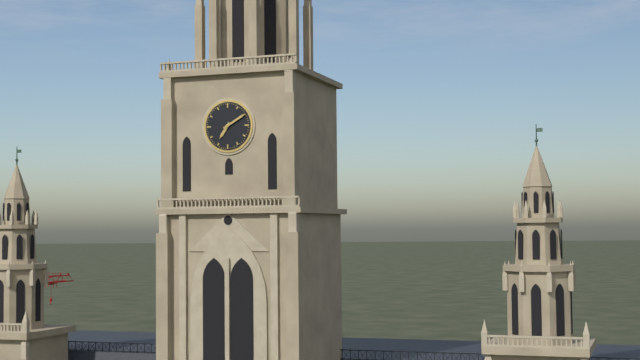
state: 7:10
